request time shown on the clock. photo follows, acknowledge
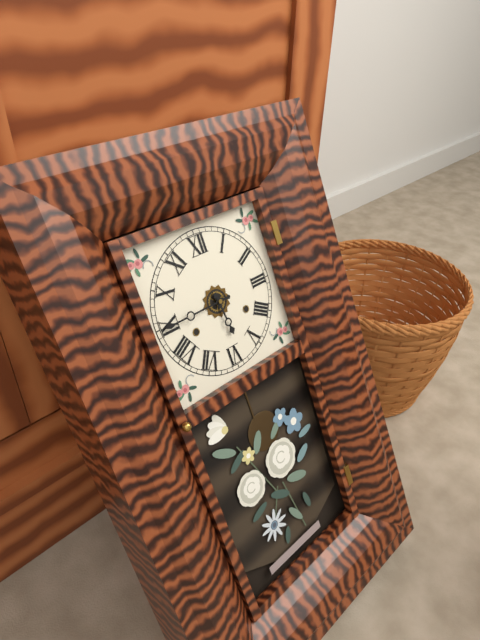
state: 5:45
